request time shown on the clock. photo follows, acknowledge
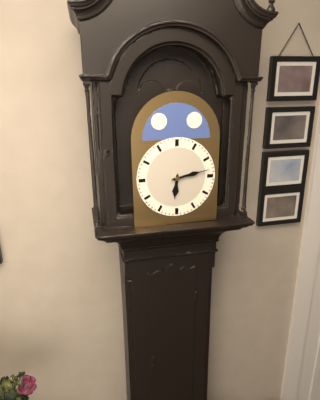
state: 6:13
